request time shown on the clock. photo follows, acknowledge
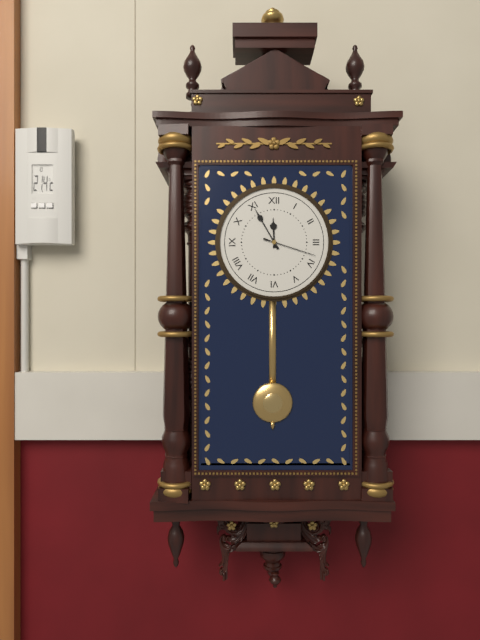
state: 11:55:18
